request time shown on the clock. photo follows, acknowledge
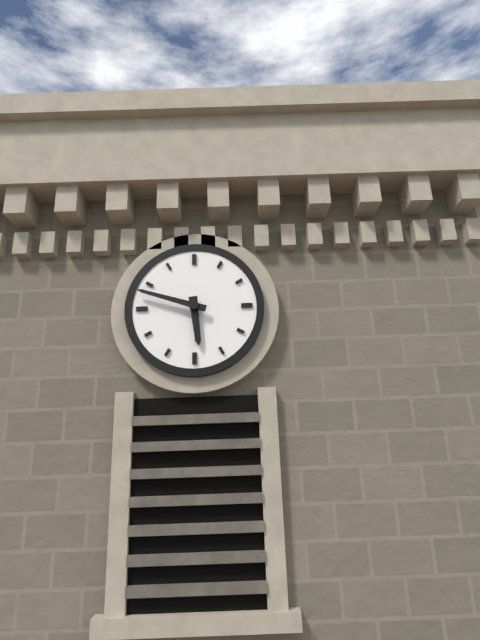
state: 5:48
